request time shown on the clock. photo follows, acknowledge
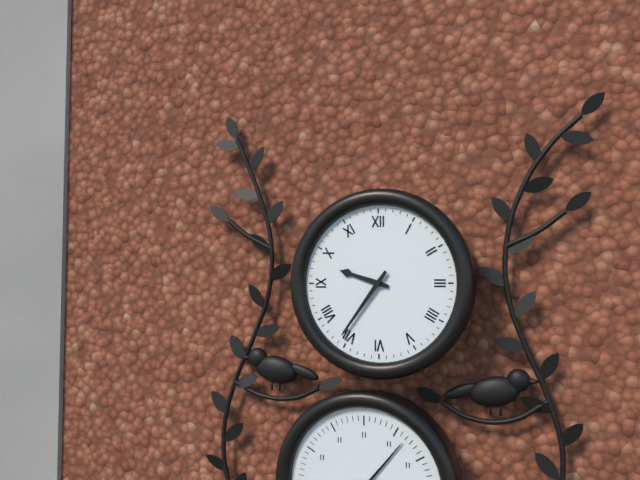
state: 9:36
